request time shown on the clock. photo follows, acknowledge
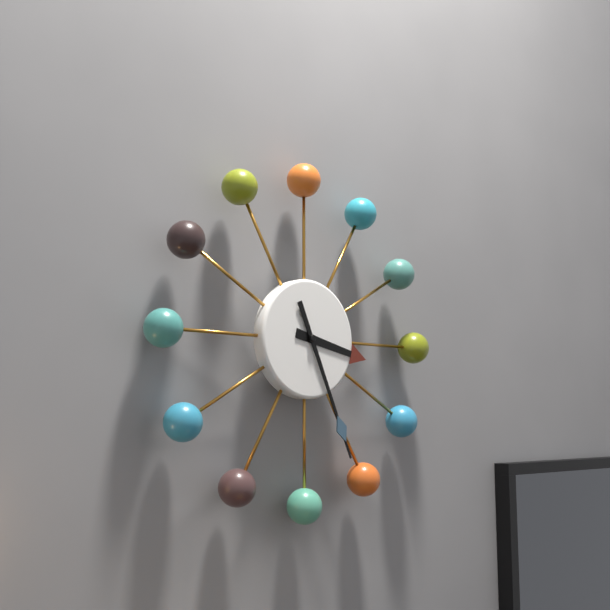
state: 3:26
